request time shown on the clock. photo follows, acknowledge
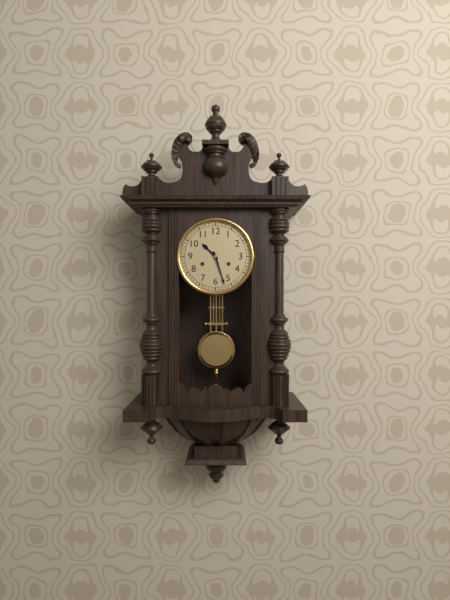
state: 10:27
